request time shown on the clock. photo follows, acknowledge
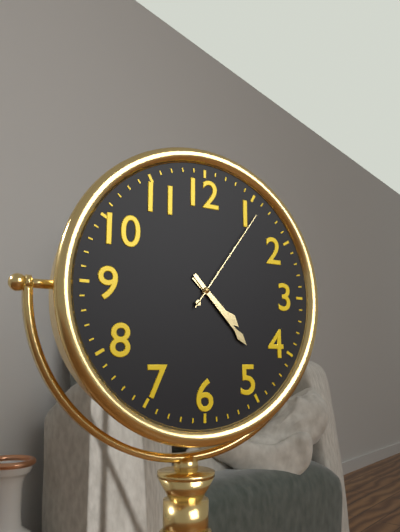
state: 4:23:06
